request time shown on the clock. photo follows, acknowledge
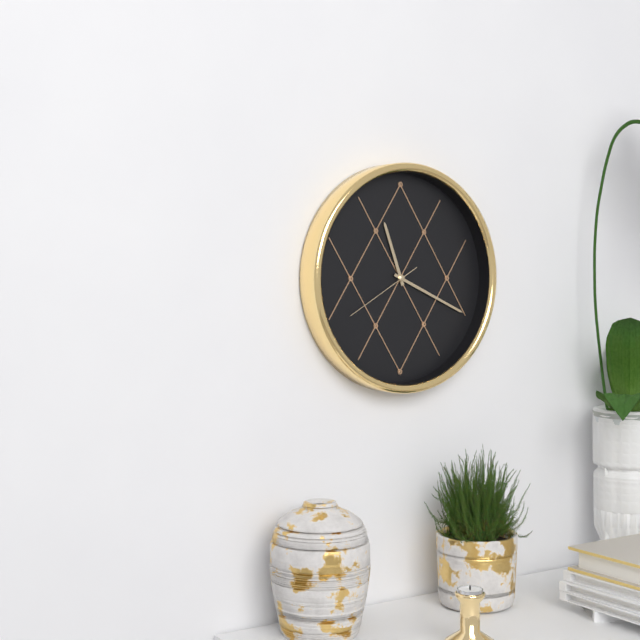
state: 11:19:40
